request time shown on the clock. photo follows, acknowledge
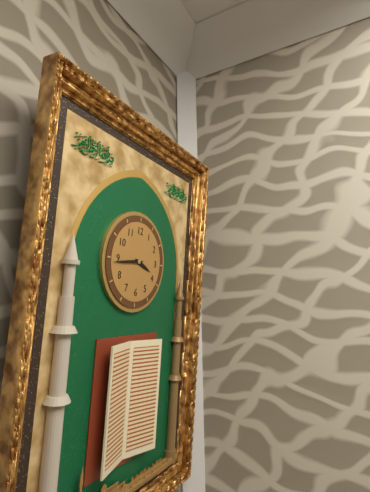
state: 3:44
